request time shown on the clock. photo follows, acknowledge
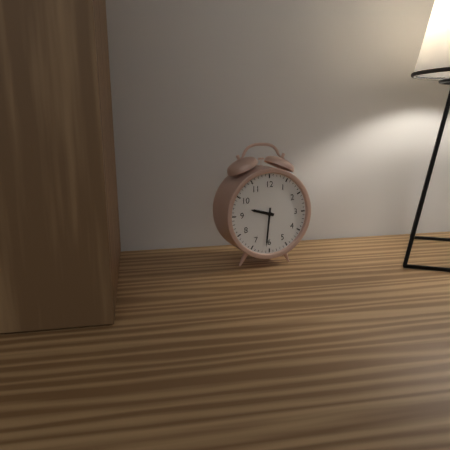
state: 9:31
